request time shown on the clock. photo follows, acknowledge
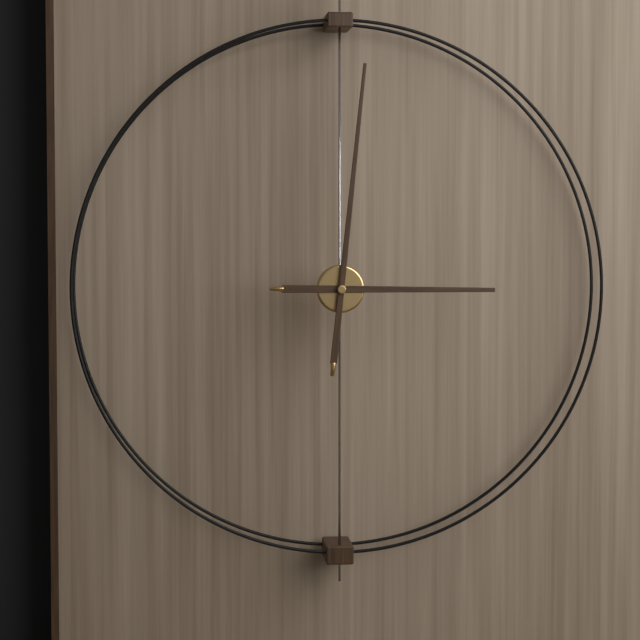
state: 3:01
